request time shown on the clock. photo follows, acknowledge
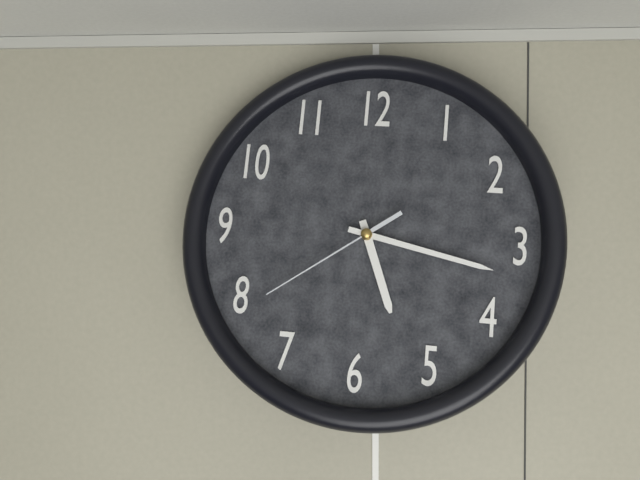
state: 5:17:39
